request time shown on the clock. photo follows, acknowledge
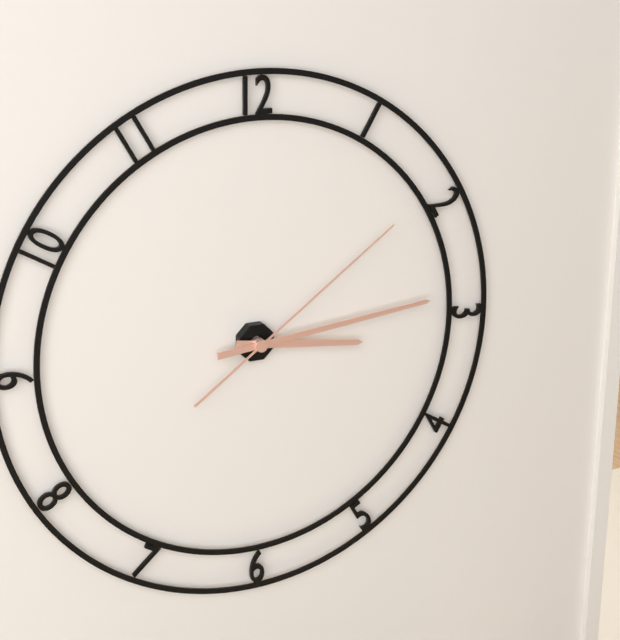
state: 3:14:09
